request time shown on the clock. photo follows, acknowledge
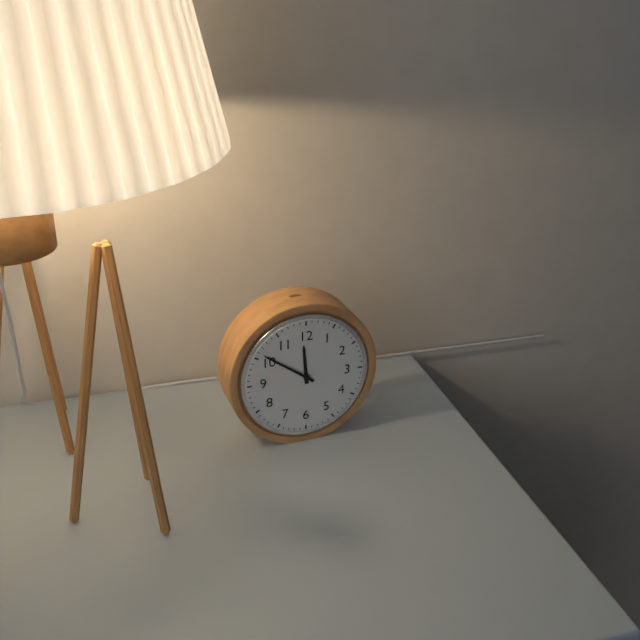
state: 11:51
